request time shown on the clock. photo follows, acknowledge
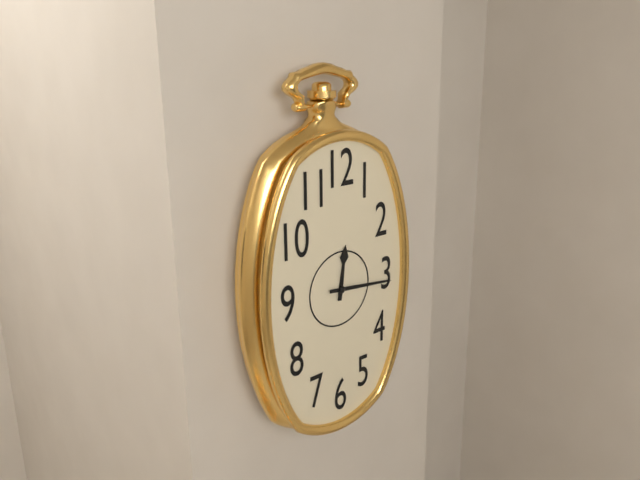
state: 12:16
